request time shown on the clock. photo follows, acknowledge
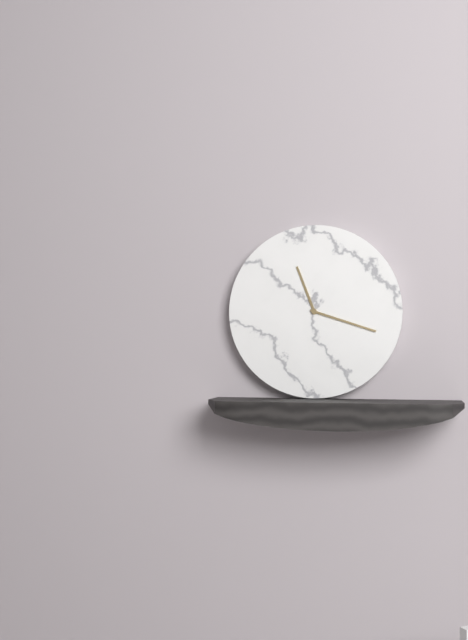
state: 11:18
